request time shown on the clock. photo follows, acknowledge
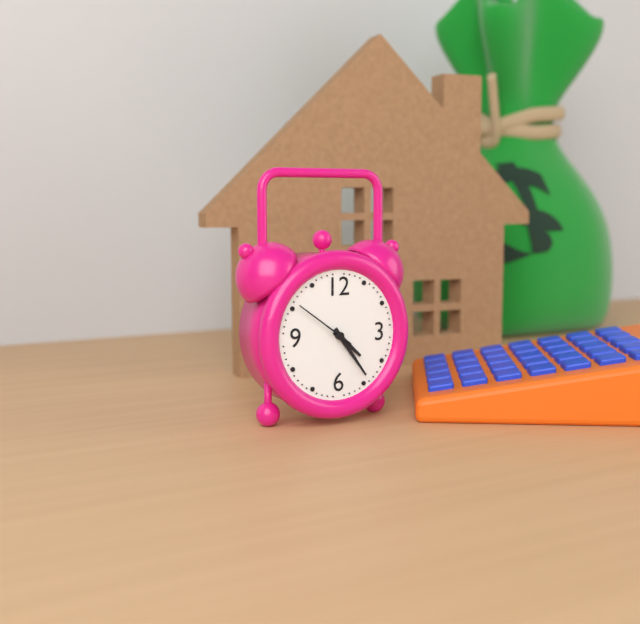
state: 4:24:51
